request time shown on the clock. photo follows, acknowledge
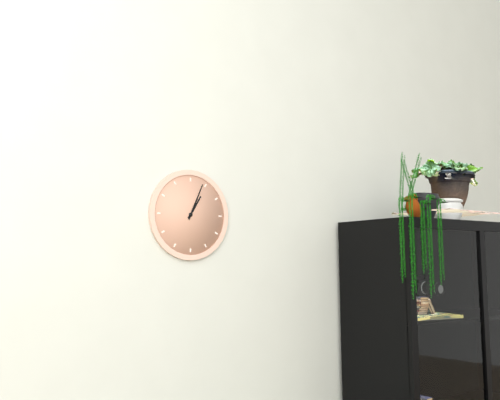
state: 1:04
